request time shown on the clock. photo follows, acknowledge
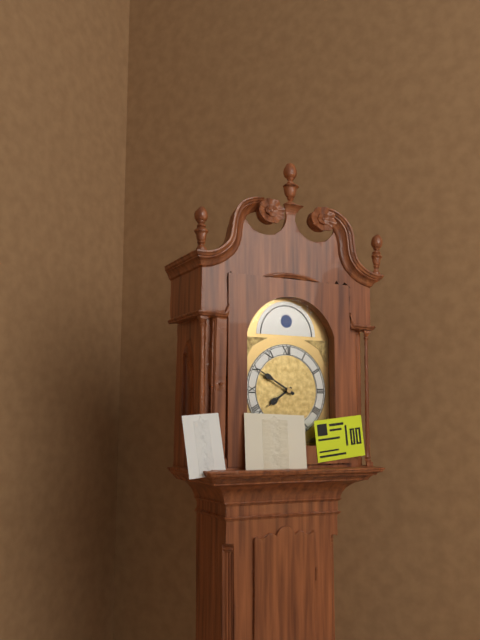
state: 7:50
